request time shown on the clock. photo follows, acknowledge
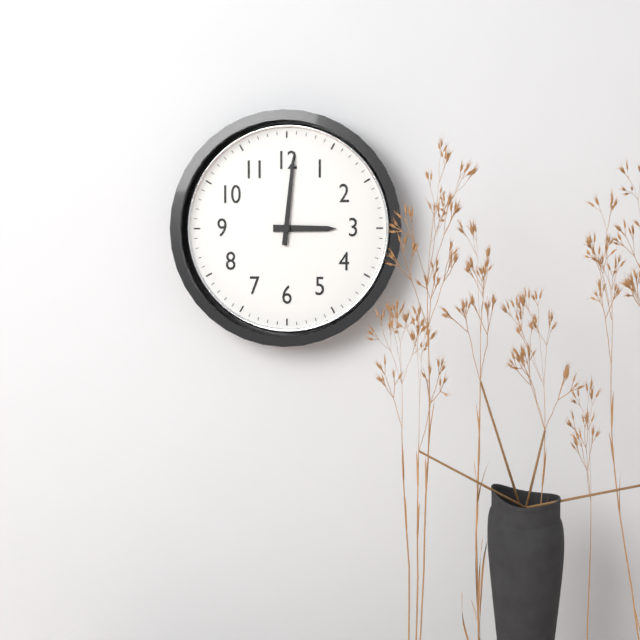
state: 3:01
